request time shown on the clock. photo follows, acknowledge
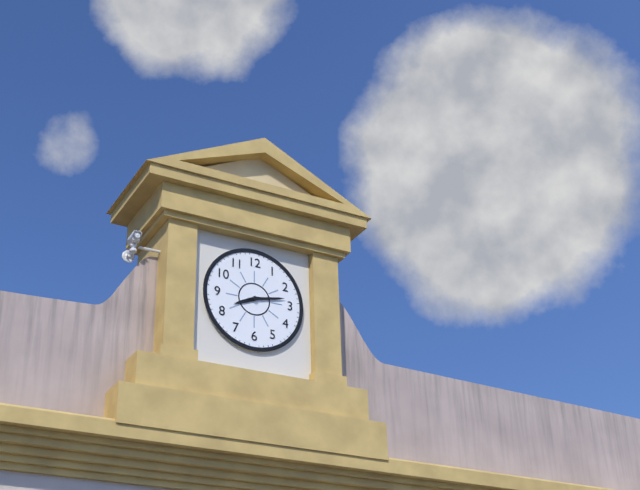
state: 8:13
